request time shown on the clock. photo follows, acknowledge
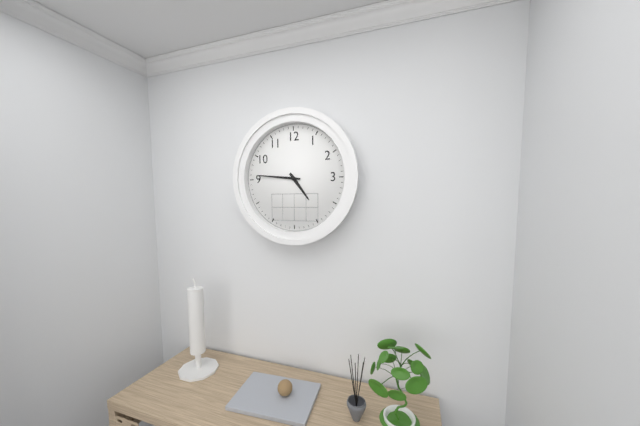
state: 4:46
